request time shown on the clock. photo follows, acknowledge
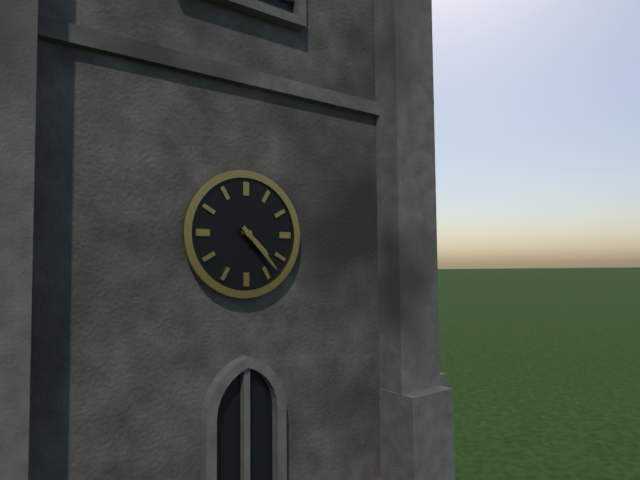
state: 4:23
